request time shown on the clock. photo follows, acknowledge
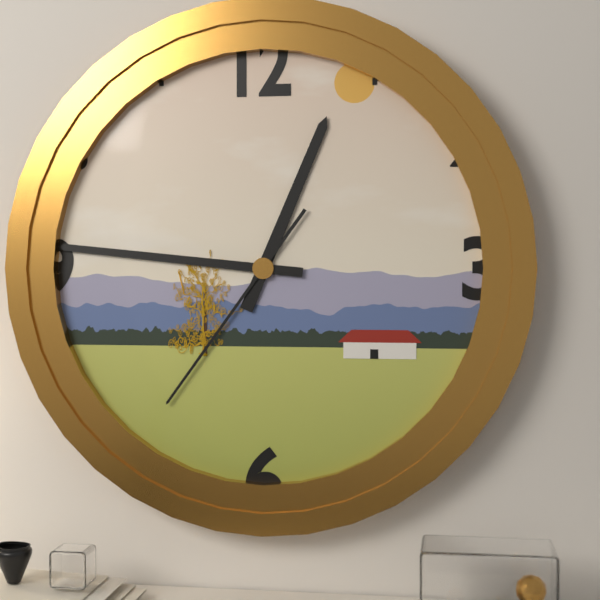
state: 12:46:36
